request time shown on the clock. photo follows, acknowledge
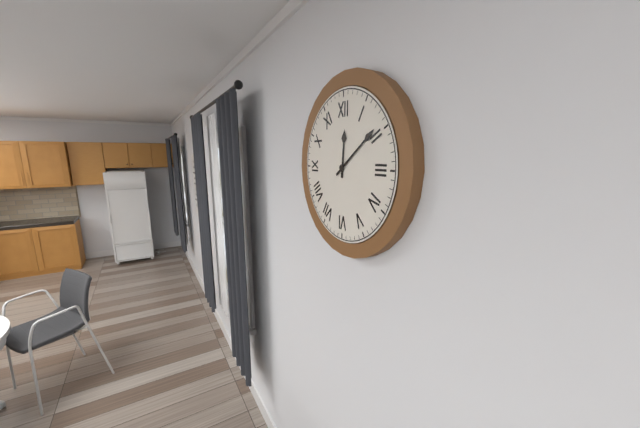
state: 12:09
